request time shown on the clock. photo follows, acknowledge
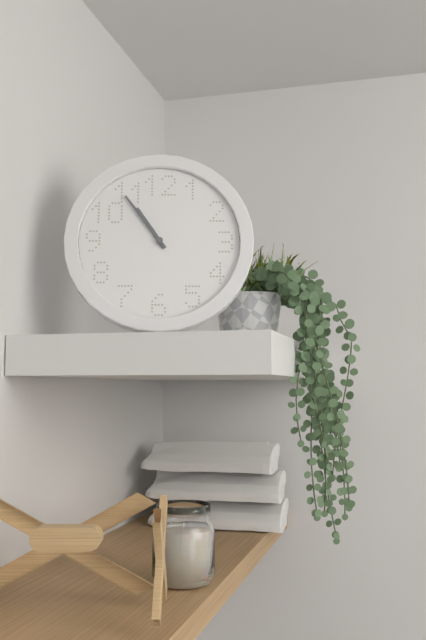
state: 10:54
